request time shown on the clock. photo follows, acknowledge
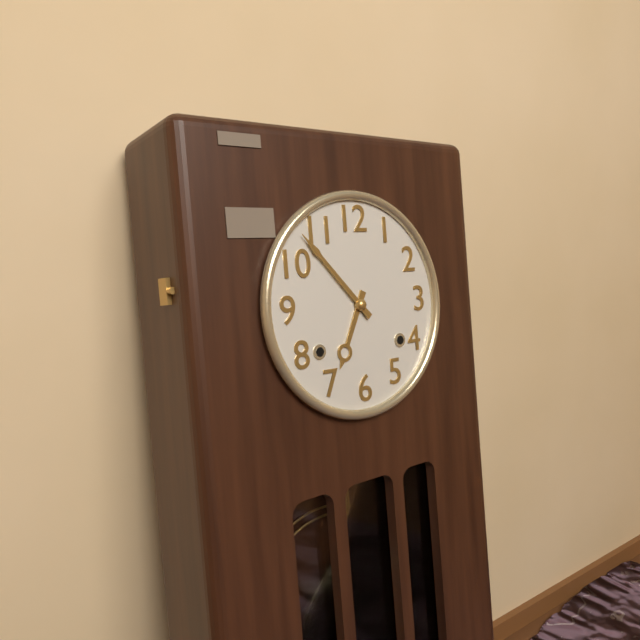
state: 6:53
